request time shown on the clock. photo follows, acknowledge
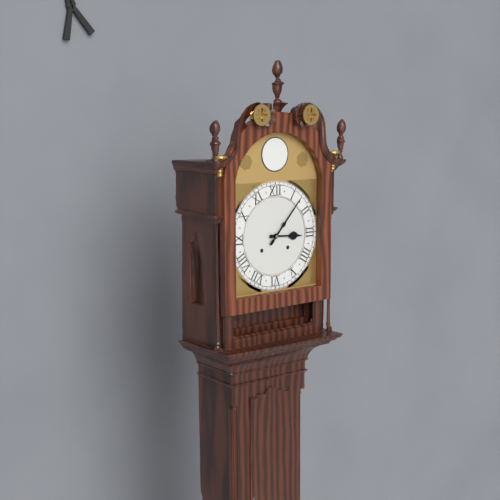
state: 3:07
